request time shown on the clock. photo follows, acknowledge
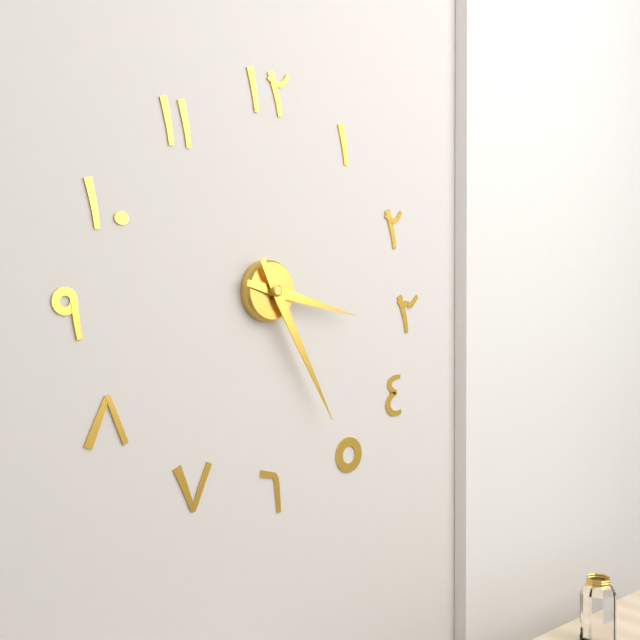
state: 3:25
